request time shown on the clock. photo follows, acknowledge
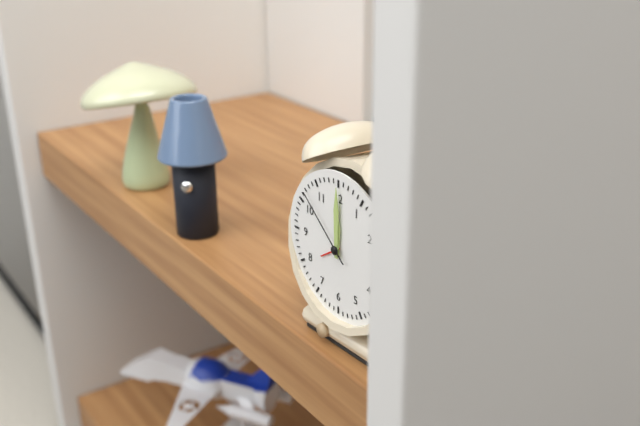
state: 12:00:52
